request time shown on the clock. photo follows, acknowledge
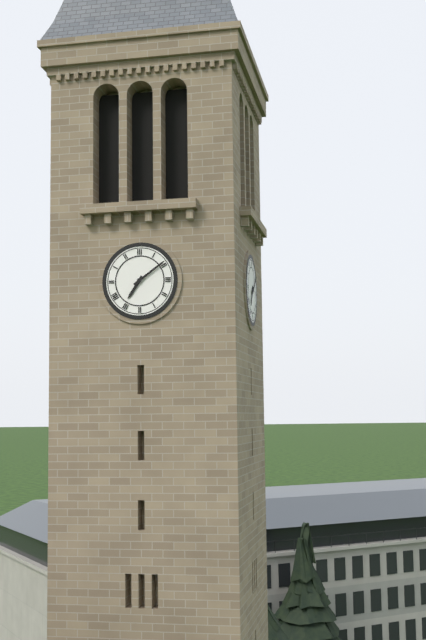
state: 7:09
